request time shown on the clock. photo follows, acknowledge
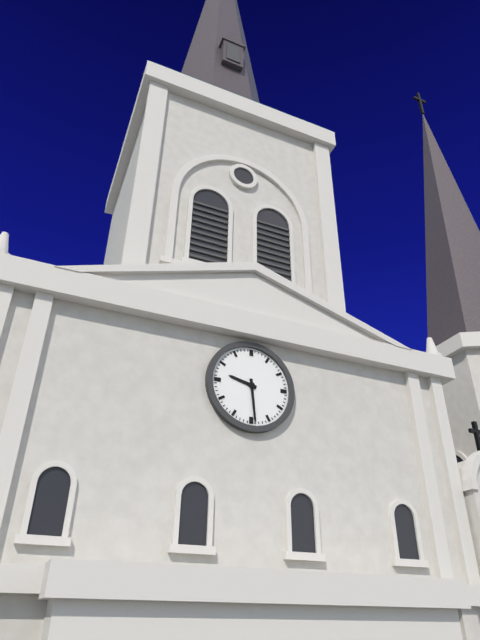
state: 9:29
